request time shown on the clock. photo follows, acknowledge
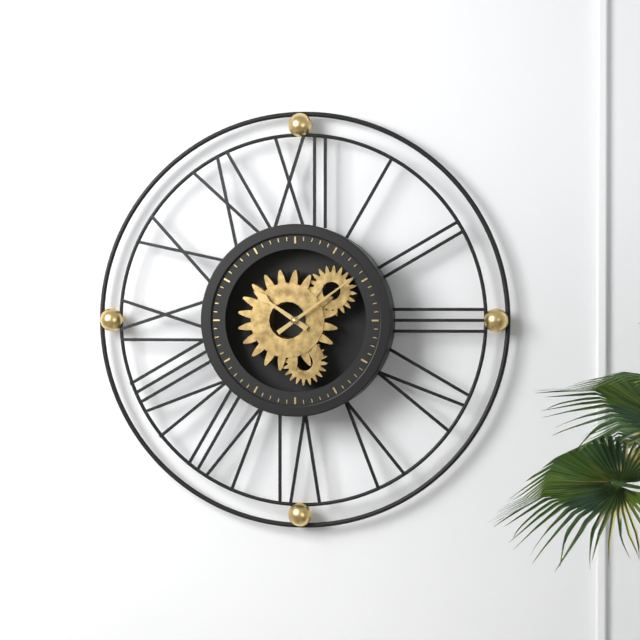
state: 10:09
